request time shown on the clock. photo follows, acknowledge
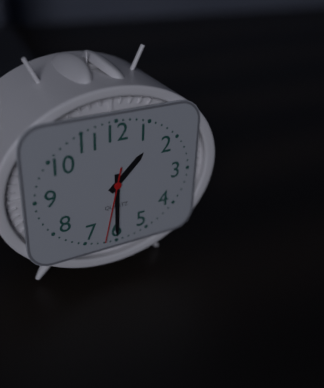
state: 1:30:32
